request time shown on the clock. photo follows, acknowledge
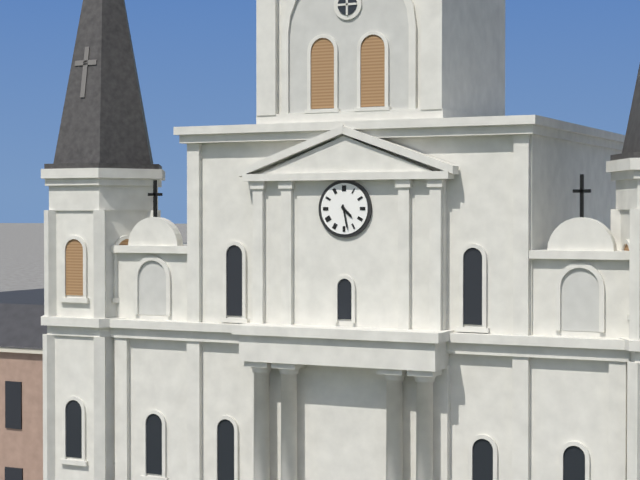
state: 4:28
